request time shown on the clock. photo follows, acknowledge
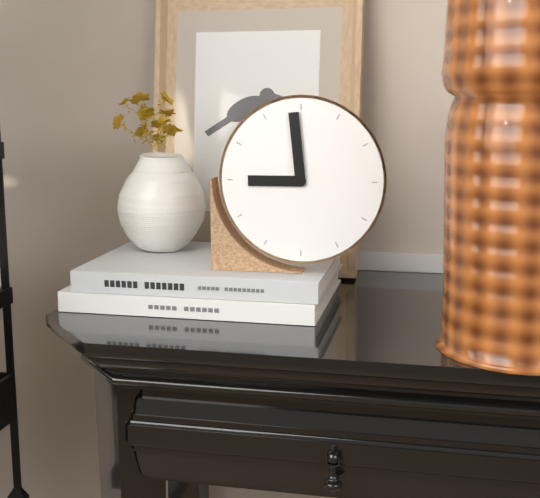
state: 8:59
